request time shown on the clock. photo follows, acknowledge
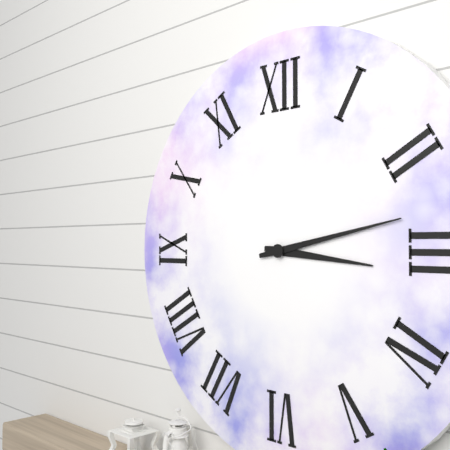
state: 3:13
